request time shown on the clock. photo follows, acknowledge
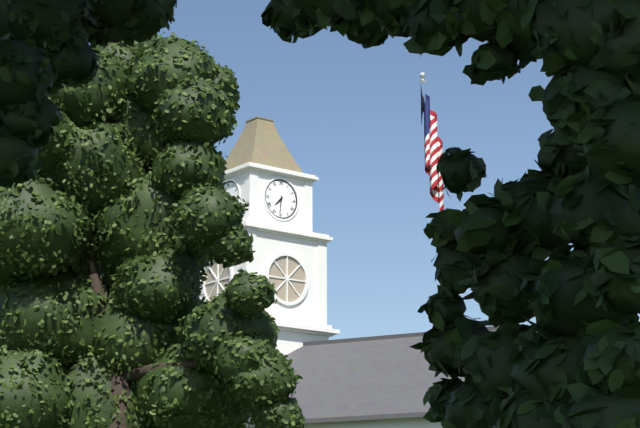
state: 7:31
